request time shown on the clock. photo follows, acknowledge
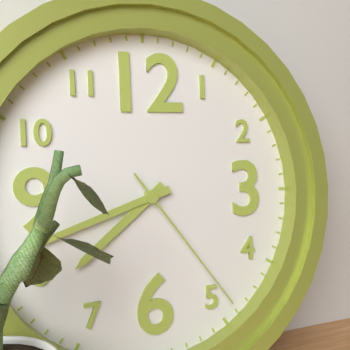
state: 7:42:24
